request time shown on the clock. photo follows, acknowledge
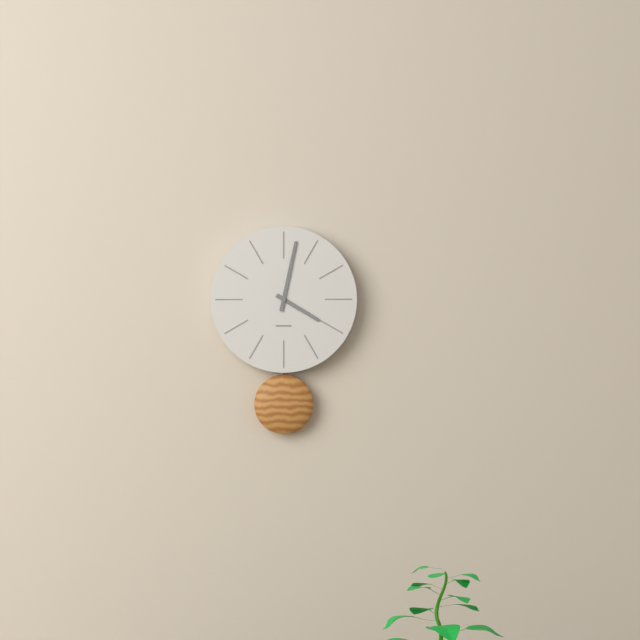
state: 4:02
